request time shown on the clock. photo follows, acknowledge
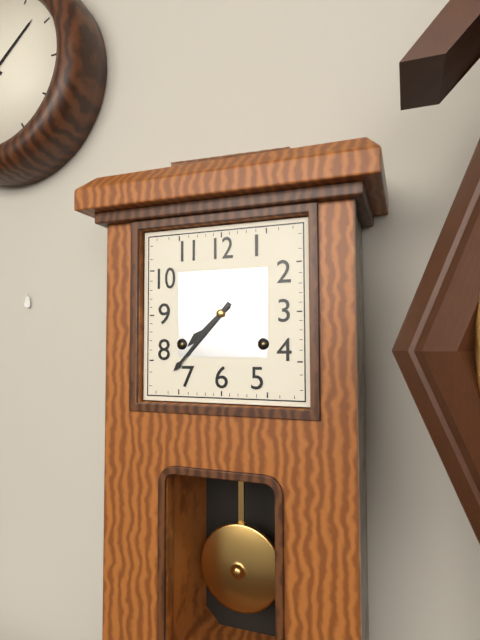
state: 7:37
